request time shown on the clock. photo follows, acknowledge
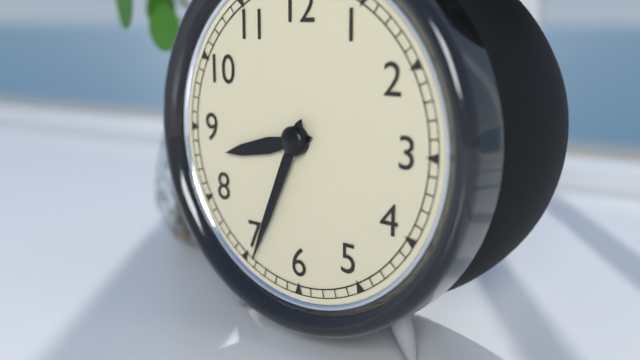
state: 8:34
